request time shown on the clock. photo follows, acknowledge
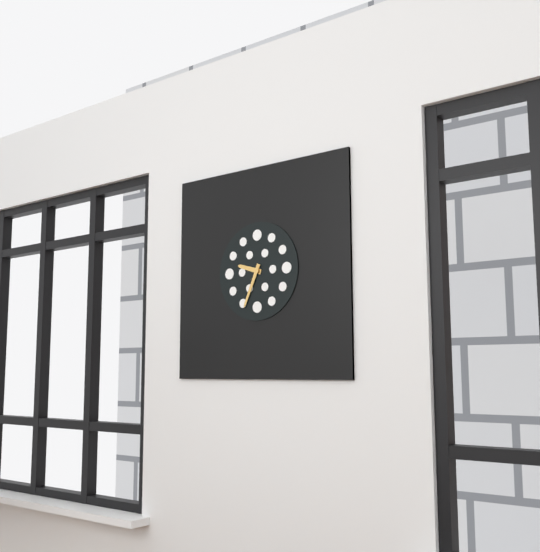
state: 9:34
